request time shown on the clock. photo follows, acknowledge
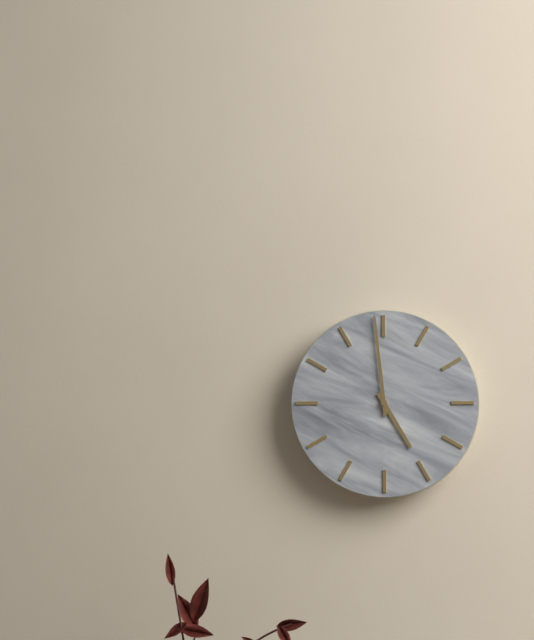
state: 4:59
